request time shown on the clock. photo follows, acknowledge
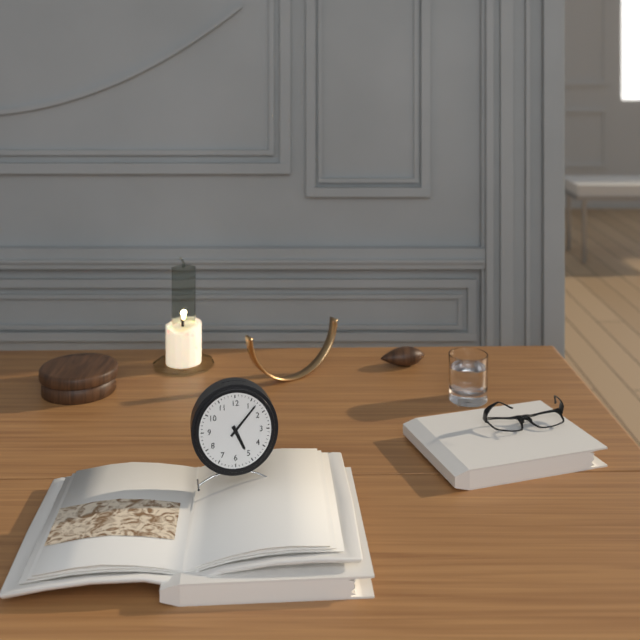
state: 5:07
